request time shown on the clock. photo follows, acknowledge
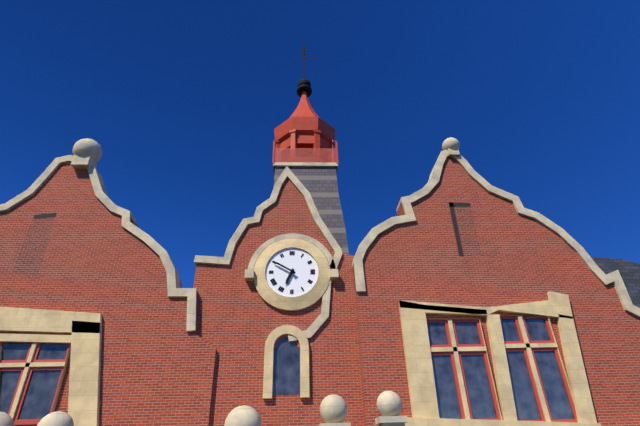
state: 6:50
